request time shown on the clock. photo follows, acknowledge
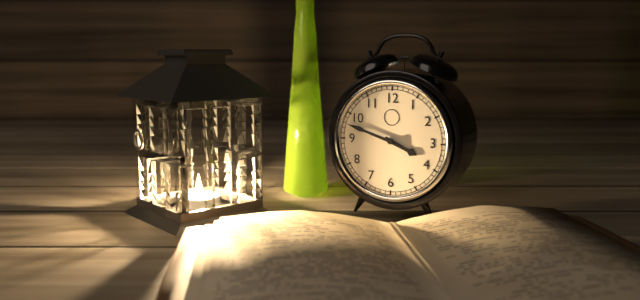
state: 3:48
